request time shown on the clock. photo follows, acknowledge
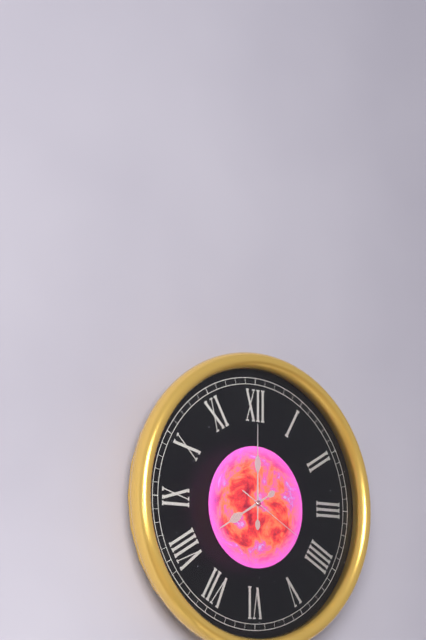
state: 8:00:20
